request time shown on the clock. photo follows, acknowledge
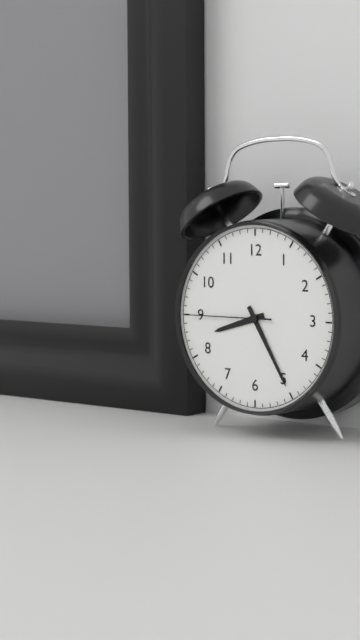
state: 8:25:45
